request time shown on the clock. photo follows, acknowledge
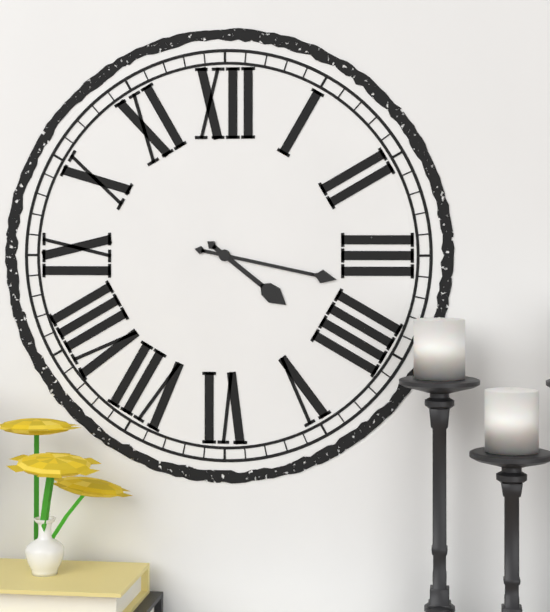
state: 4:17
